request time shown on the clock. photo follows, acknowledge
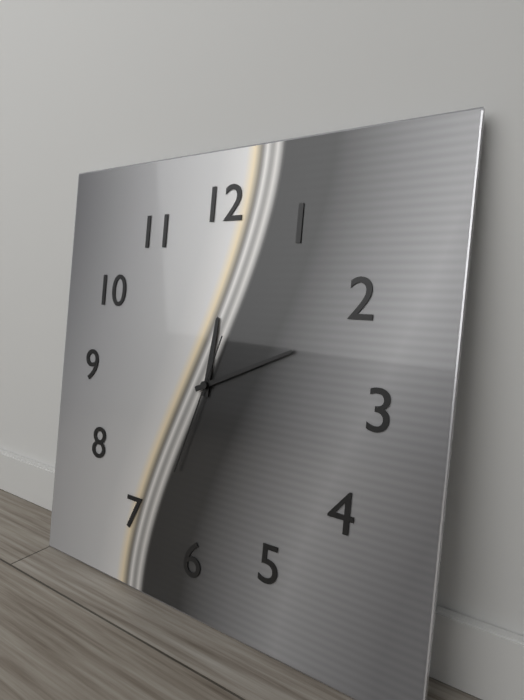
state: 12:11:33
